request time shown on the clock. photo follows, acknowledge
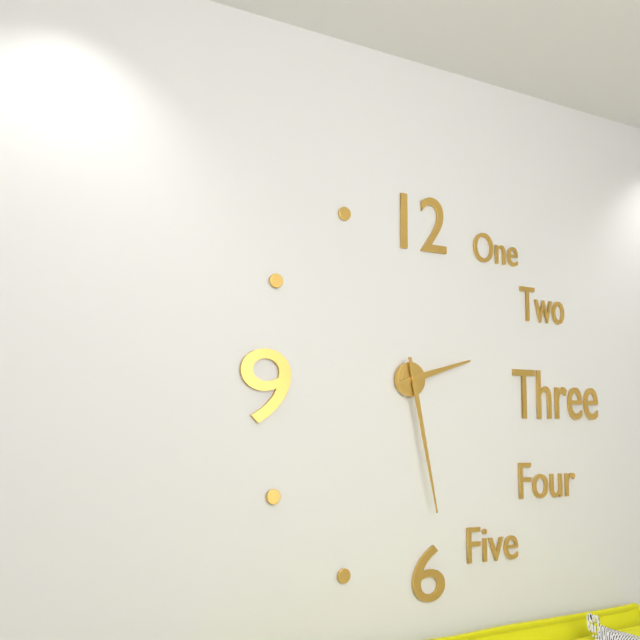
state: 2:28
